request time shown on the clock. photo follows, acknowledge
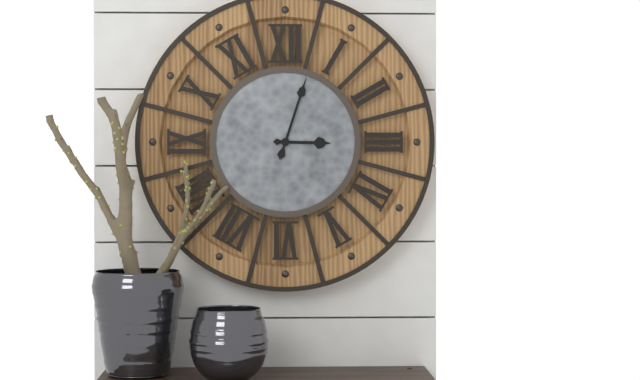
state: 3:03
